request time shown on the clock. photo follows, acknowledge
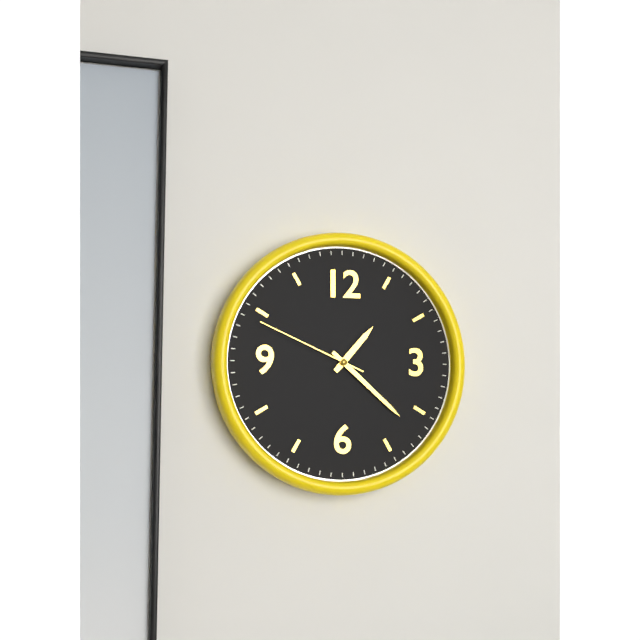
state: 1:22:49
